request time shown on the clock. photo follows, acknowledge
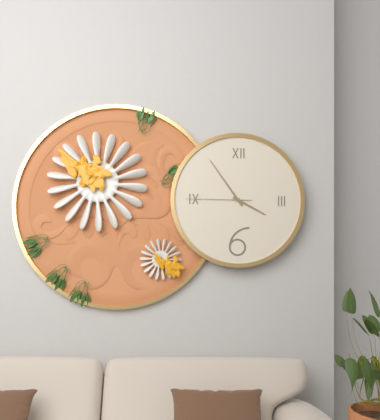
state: 3:54:45
